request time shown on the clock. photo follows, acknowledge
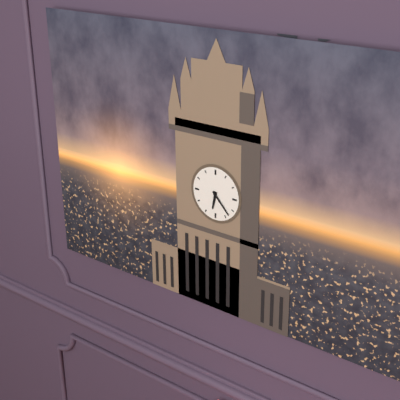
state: 6:23
